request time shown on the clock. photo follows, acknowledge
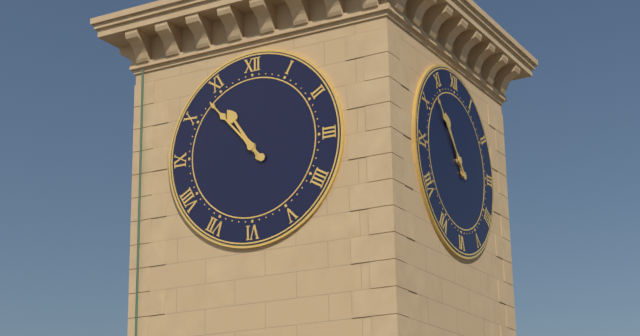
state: 10:53
